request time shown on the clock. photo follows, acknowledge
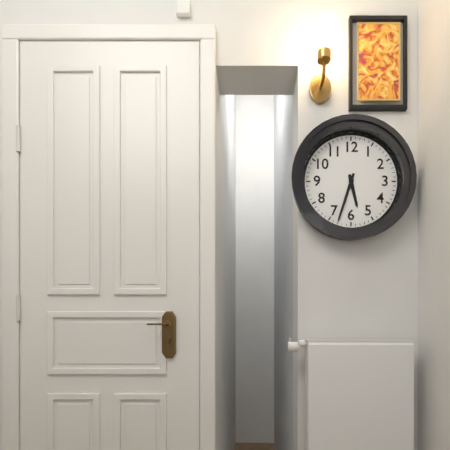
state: 5:33
